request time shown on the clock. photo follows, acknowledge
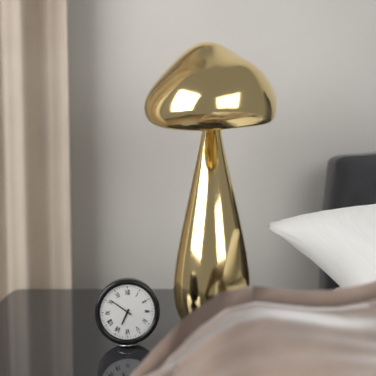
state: 6:51
